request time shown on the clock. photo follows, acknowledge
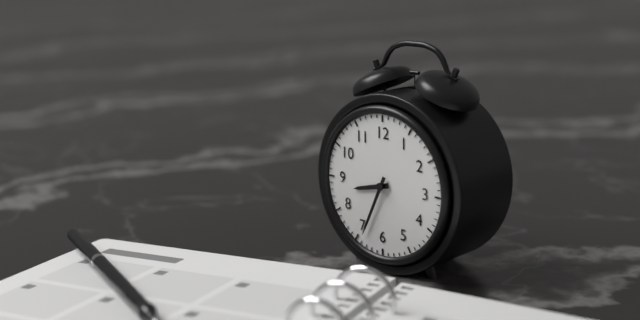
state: 8:34
